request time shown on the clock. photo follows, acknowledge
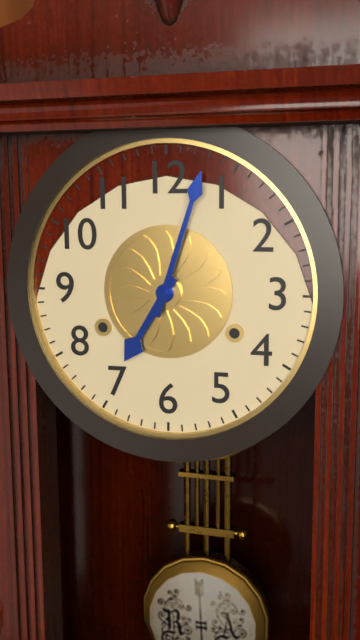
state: 7:03
